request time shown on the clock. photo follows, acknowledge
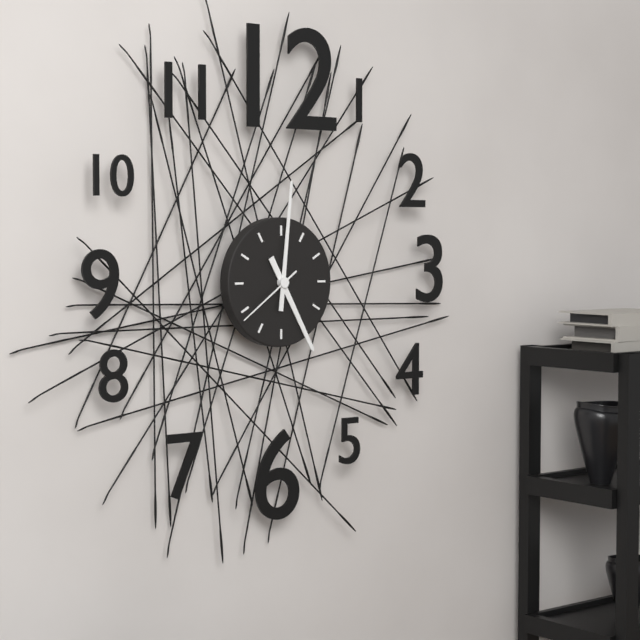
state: 5:01:39
